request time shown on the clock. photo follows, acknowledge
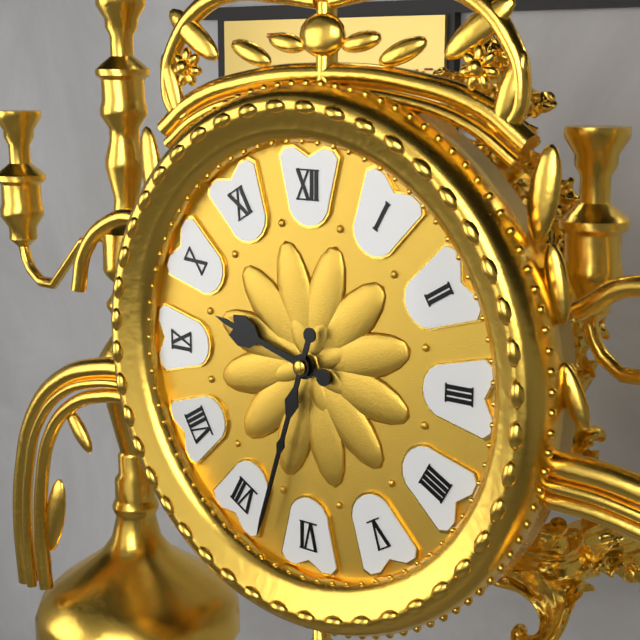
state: 9:33
